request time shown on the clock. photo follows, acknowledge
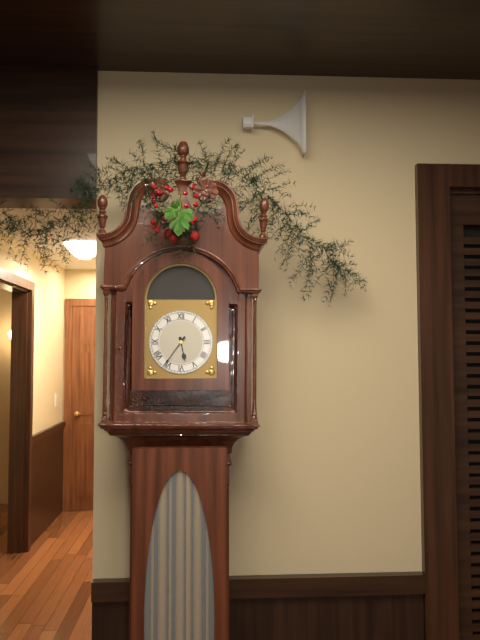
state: 5:36
